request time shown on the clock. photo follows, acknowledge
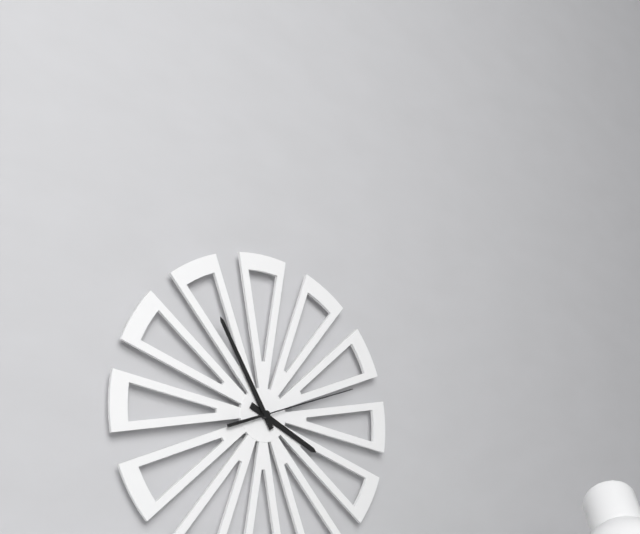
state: 3:55:12
